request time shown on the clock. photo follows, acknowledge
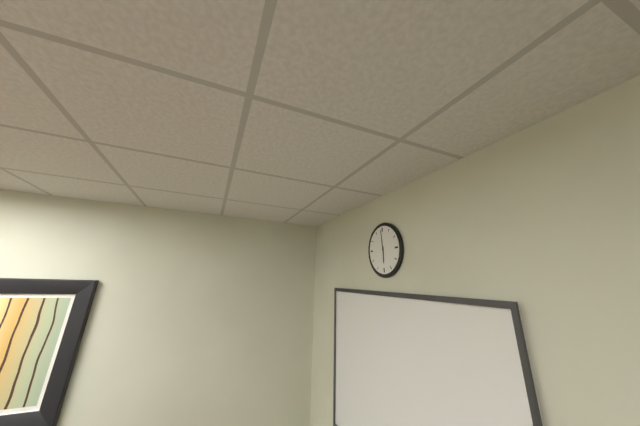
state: 5:59
